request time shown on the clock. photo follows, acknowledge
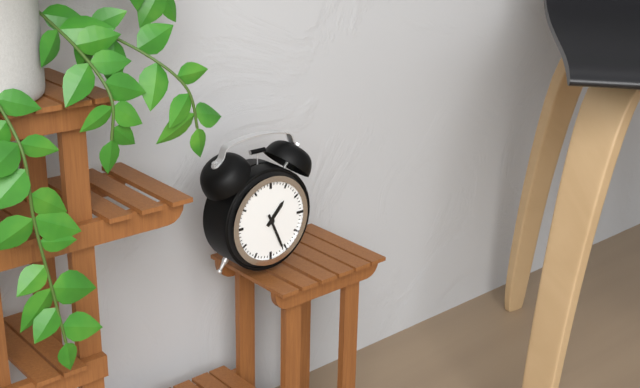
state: 1:26
